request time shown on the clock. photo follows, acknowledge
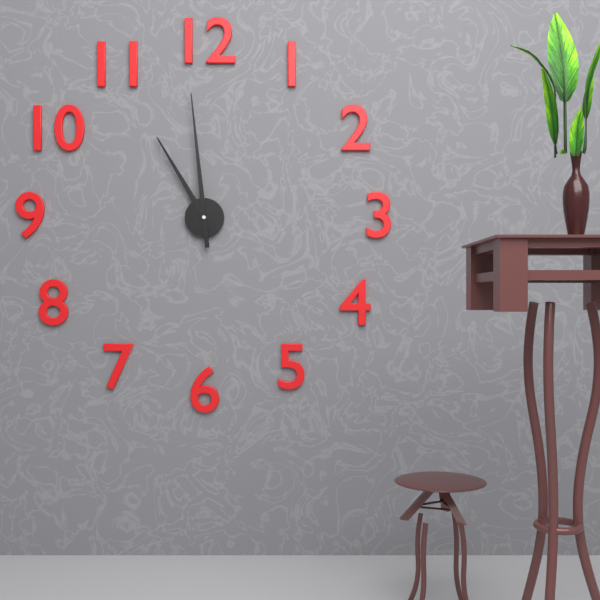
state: 10:59
